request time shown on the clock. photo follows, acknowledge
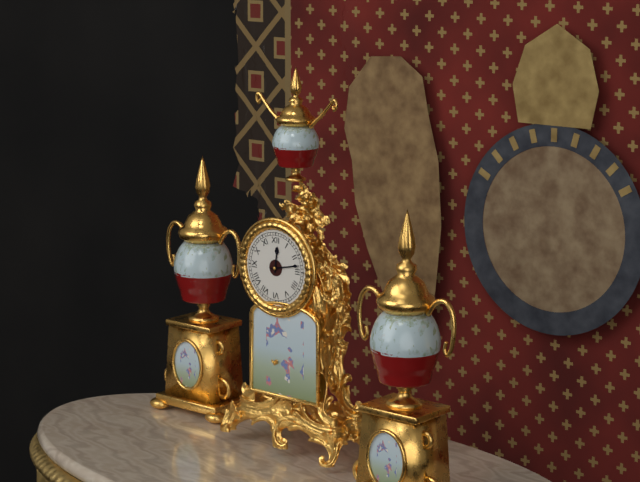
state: 12:13
